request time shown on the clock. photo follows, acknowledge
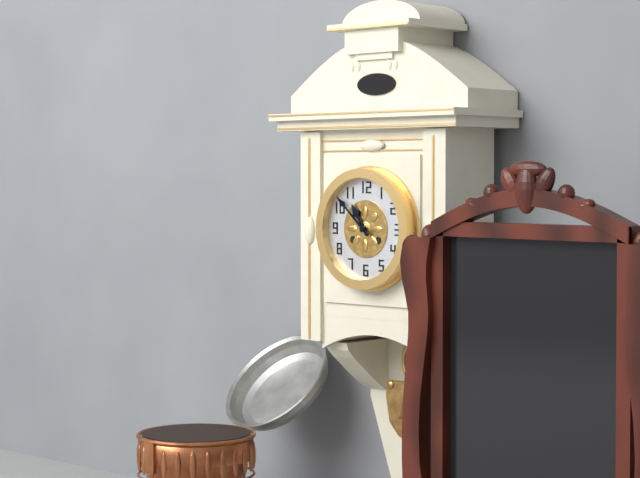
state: 10:52
